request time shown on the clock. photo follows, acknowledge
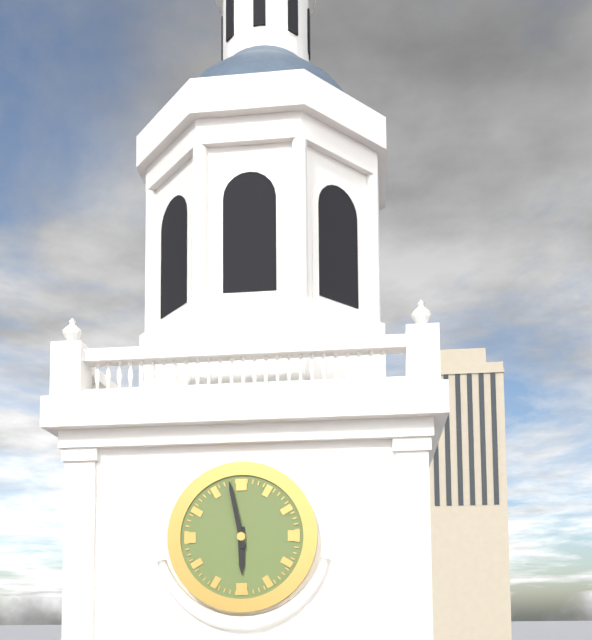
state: 5:58
